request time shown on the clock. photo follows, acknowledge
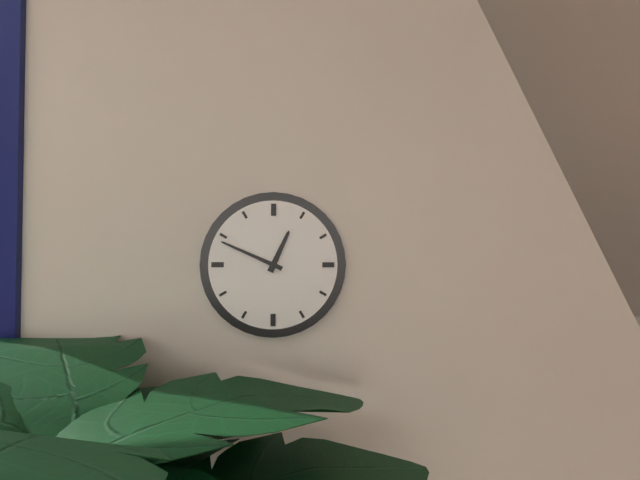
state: 12:49
